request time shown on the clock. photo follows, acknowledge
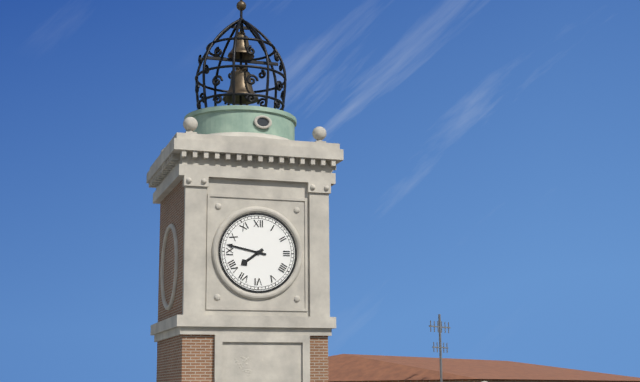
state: 7:47
